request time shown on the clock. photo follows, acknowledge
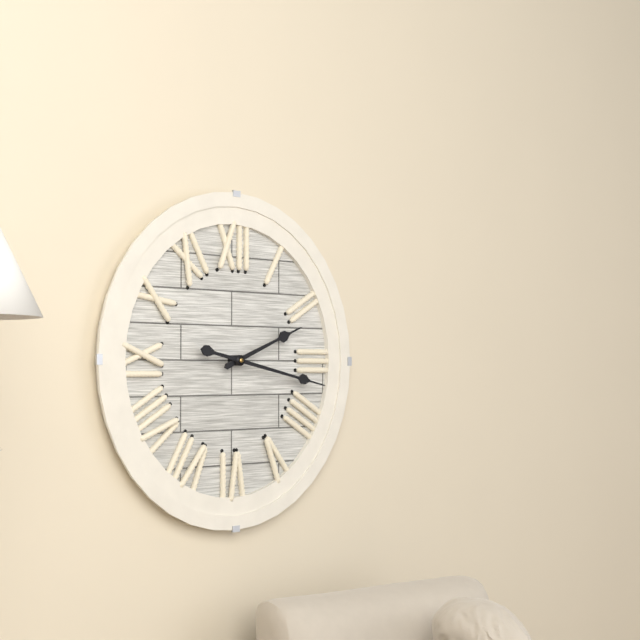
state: 2:17
